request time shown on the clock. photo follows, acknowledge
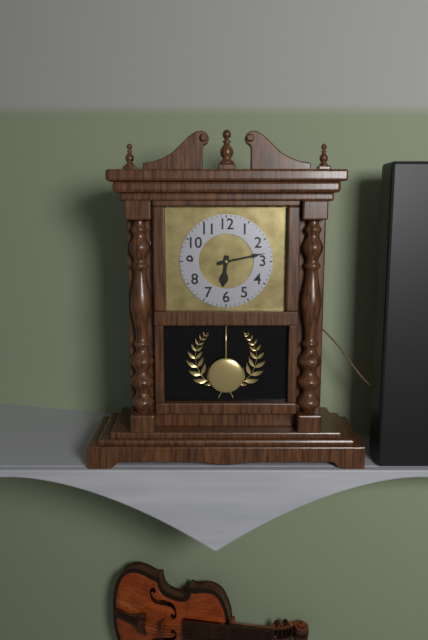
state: 6:13
